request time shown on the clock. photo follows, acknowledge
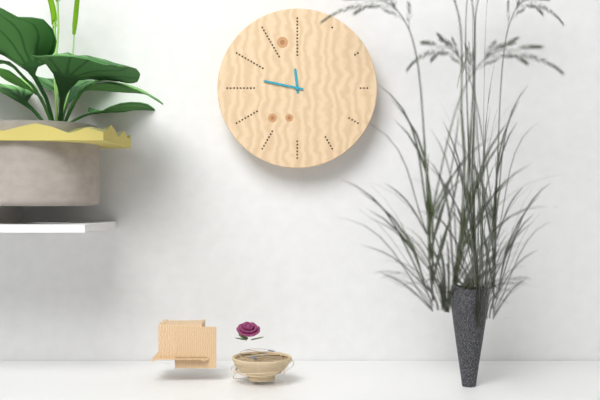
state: 11:47
